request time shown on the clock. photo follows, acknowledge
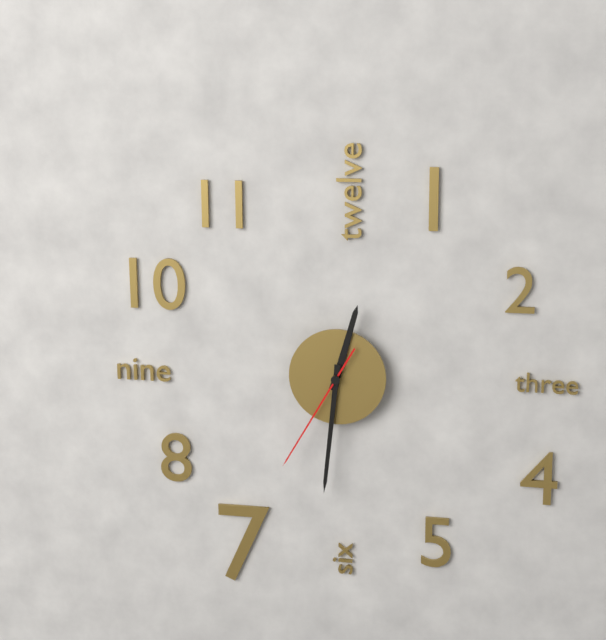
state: 12:31:35
